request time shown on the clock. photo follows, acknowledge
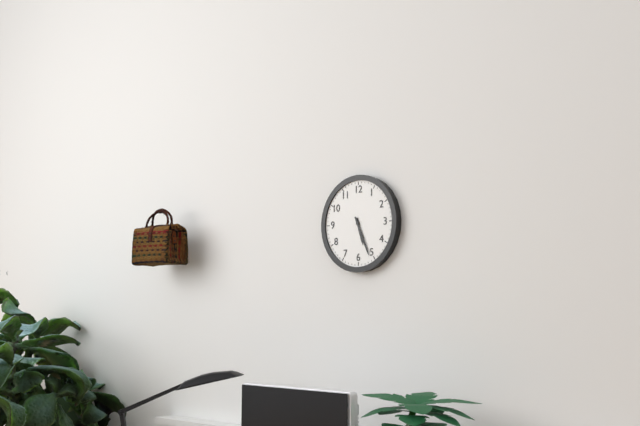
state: 5:26
